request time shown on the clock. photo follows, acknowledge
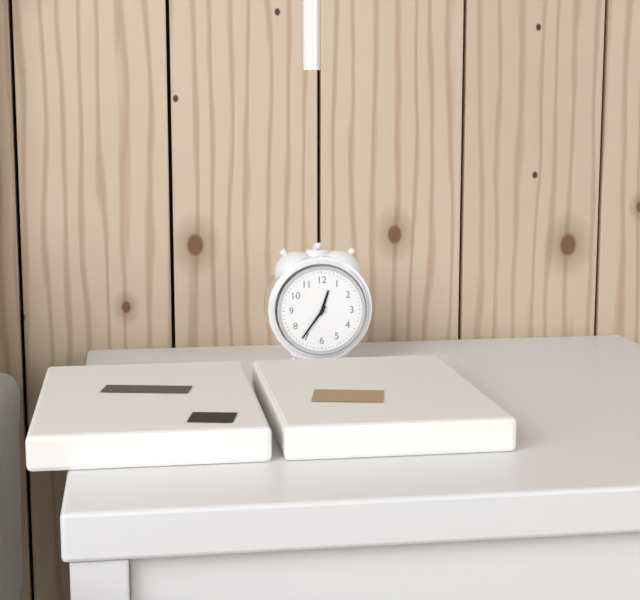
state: 12:36
